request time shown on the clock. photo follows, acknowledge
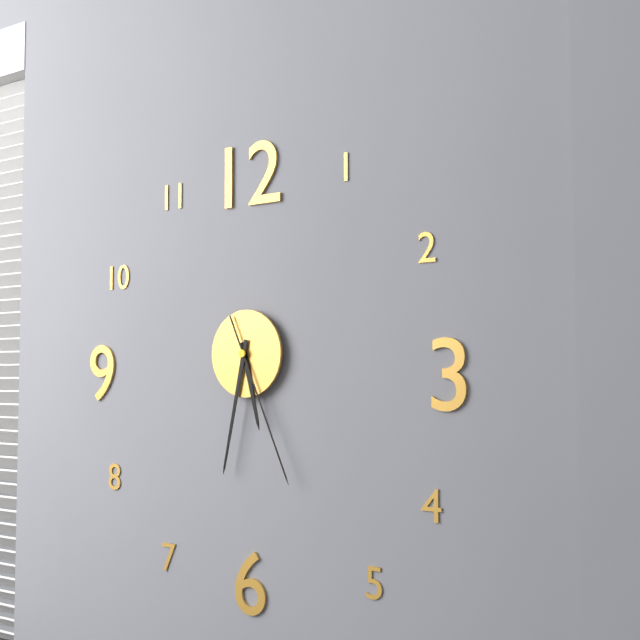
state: 5:32:26
